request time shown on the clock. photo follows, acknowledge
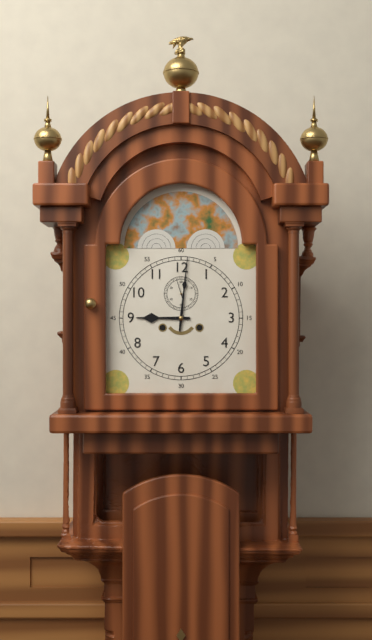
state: 9:01
